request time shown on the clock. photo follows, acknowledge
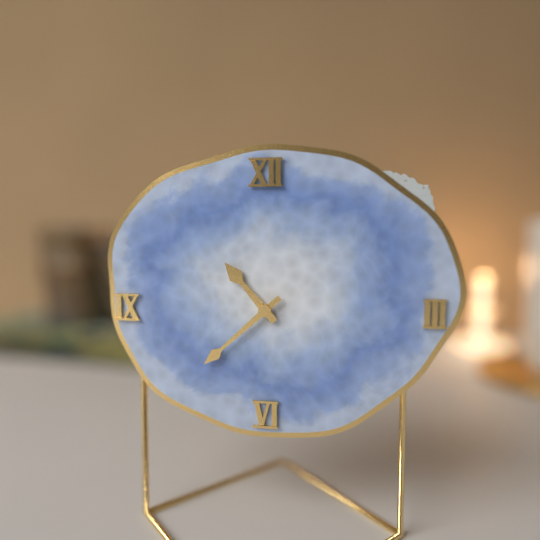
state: 10:38
